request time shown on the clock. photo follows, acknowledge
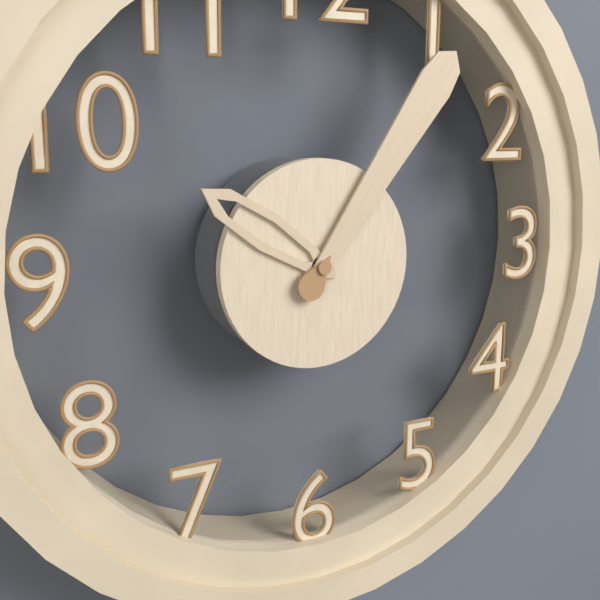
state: 10:06
